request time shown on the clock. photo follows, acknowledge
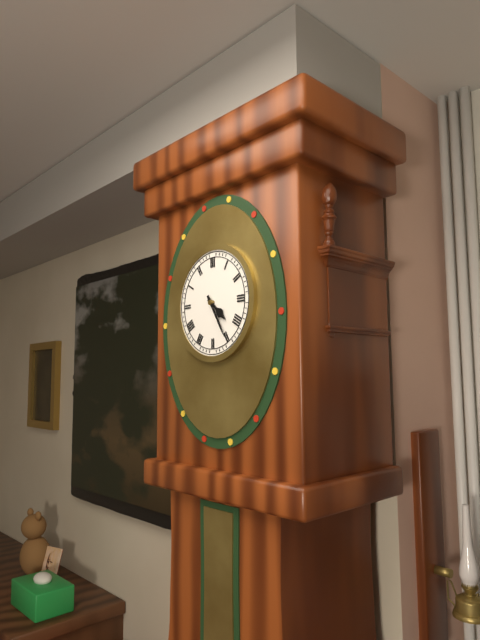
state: 4:25
